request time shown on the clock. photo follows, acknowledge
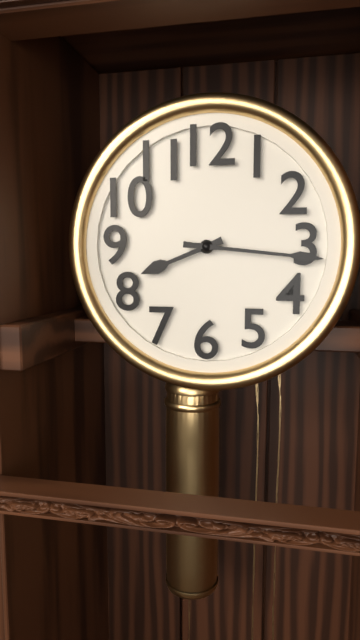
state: 8:16
